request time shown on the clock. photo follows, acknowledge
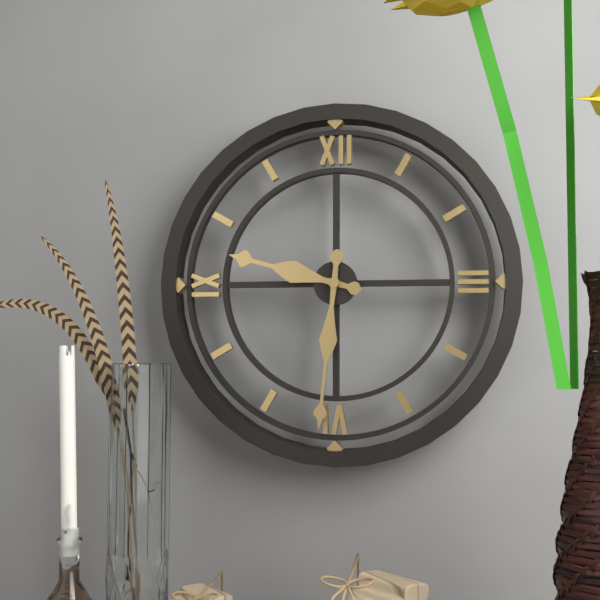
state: 9:31
